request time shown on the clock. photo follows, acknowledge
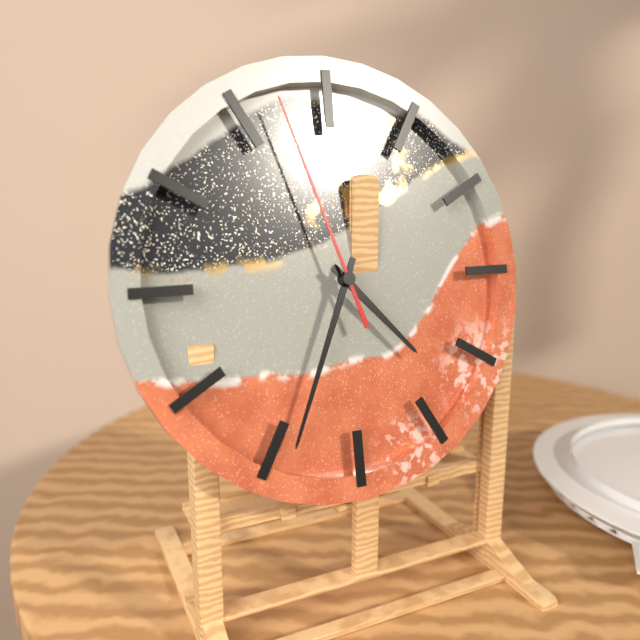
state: 4:34:57
